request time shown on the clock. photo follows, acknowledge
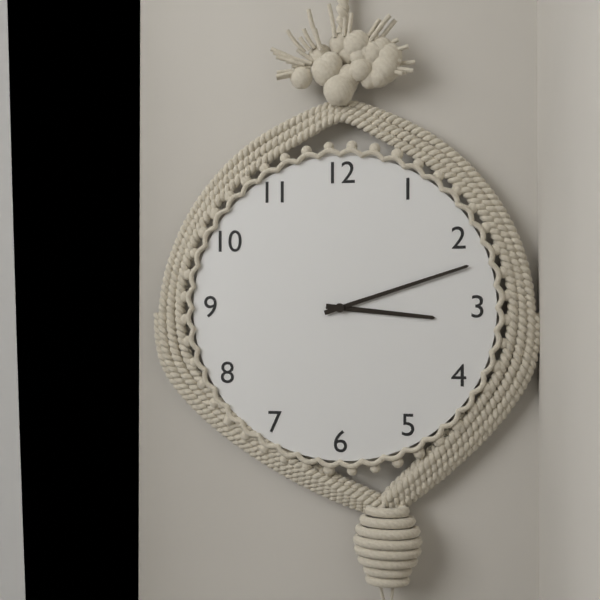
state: 3:12
